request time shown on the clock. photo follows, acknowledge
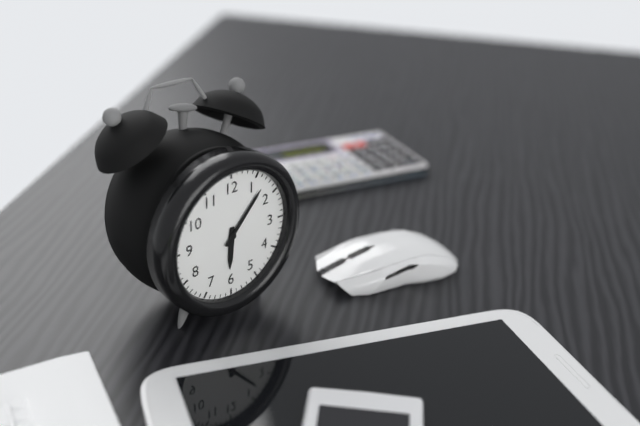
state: 6:07
